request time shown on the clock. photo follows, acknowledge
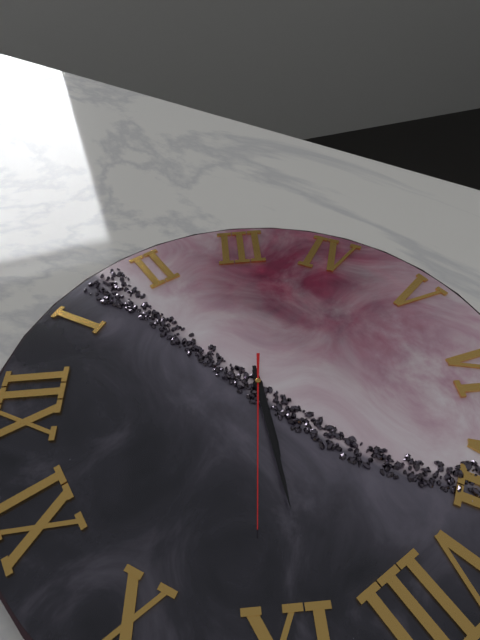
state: 8:44:46
